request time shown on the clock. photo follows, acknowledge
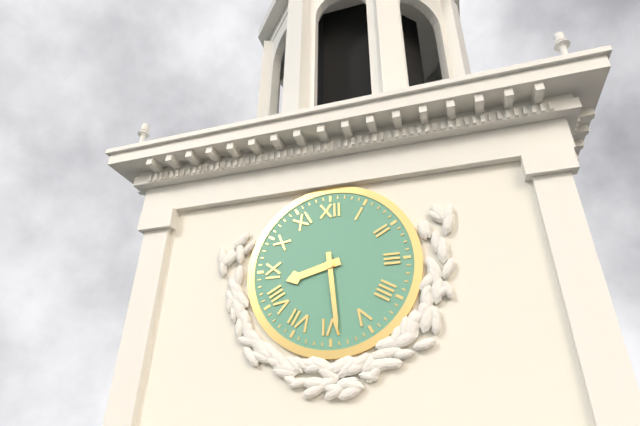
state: 8:29
